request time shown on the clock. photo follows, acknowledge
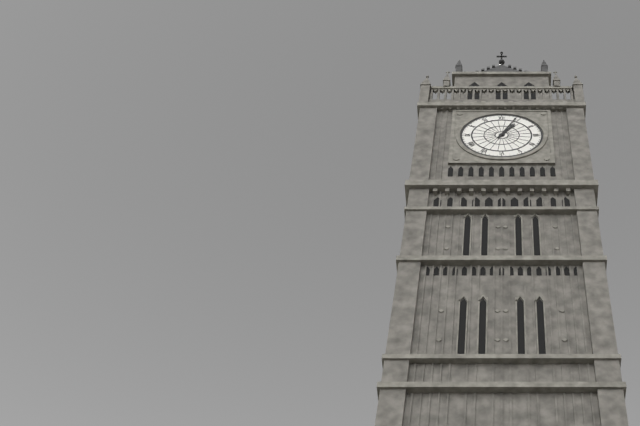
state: 1:04
